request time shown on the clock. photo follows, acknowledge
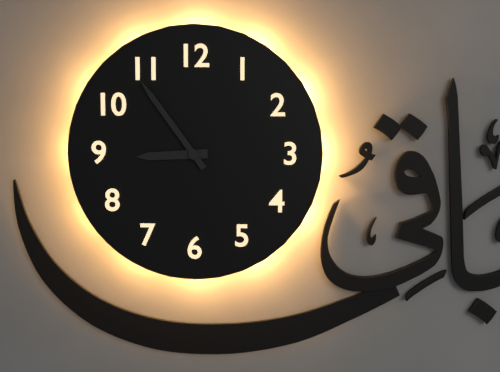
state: 8:54
